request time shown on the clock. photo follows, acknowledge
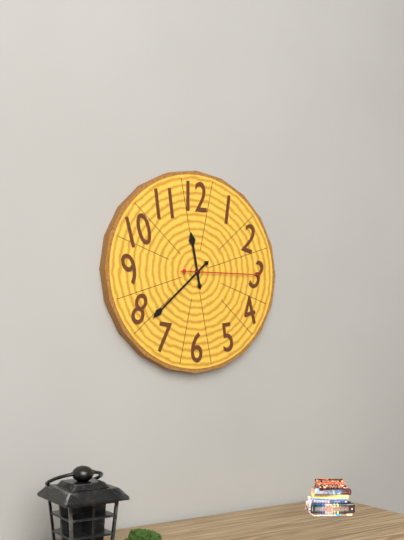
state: 11:38:15
